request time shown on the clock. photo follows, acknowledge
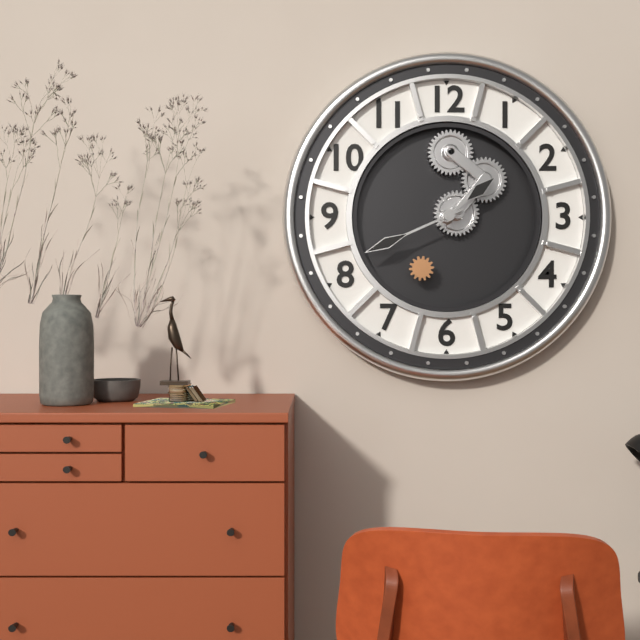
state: 1:41
